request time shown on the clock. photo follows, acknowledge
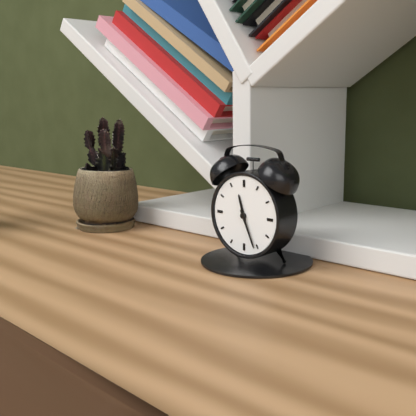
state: 11:26
